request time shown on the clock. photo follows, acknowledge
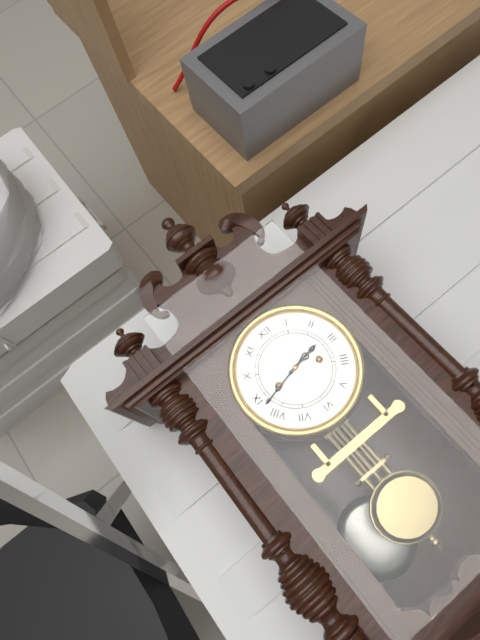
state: 2:43
